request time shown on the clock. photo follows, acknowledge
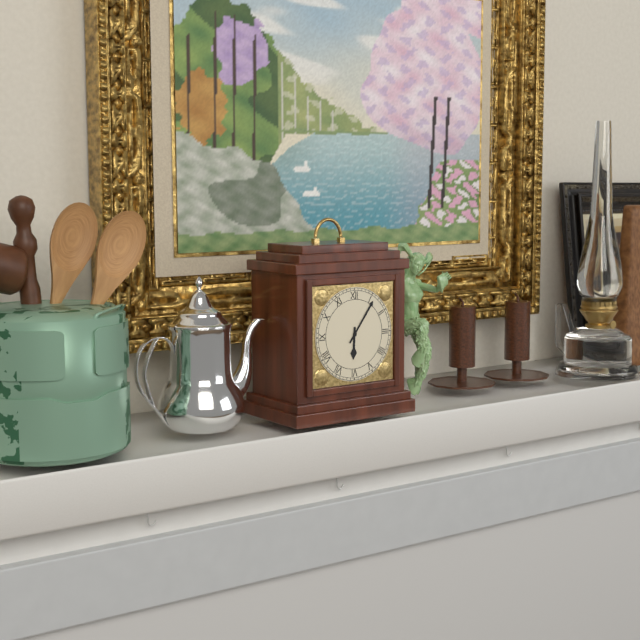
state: 6:06
